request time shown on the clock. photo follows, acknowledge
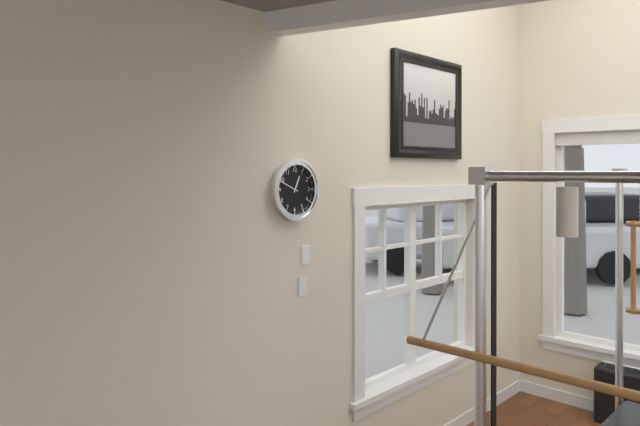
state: 12:49
